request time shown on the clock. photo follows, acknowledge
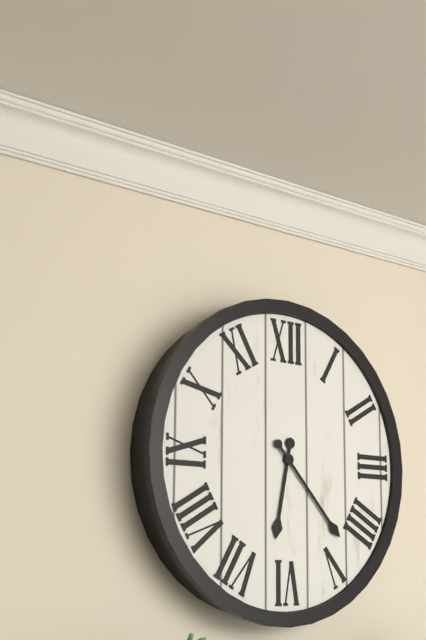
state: 6:23
